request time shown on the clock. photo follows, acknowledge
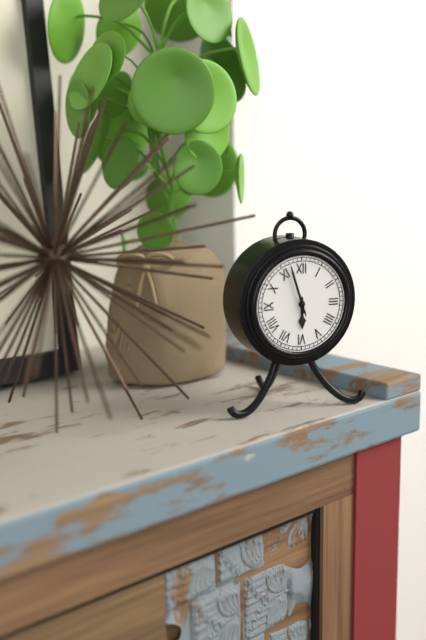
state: 5:57
